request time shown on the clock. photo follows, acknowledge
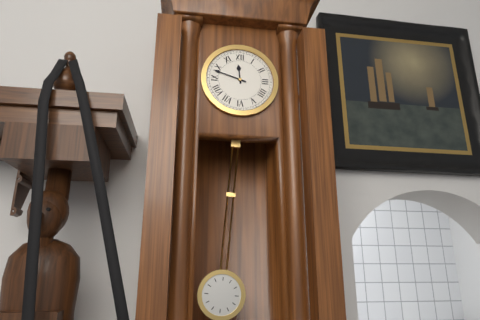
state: 11:48
